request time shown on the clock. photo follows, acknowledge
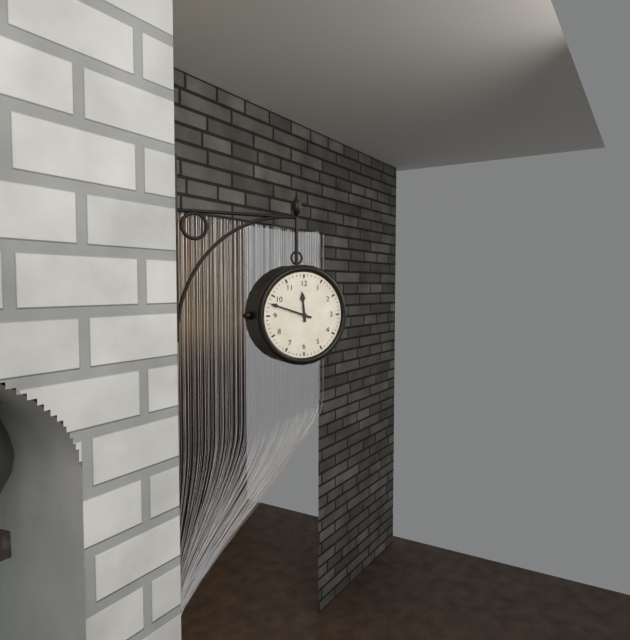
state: 11:48
